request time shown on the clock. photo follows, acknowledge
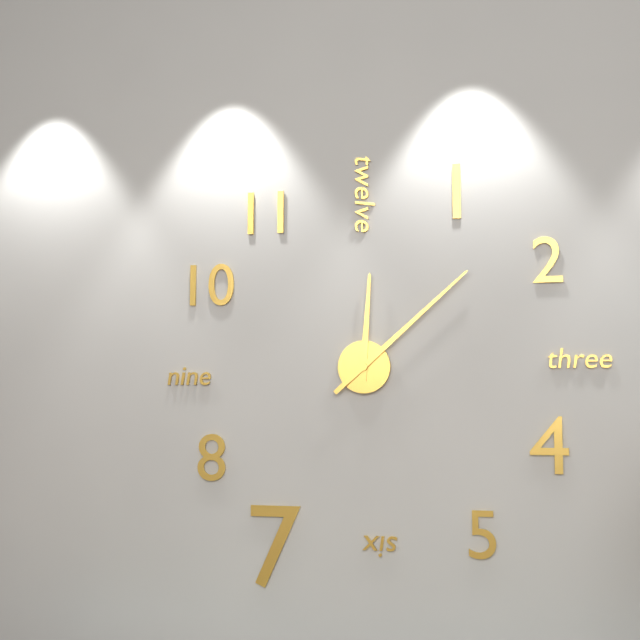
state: 12:08
